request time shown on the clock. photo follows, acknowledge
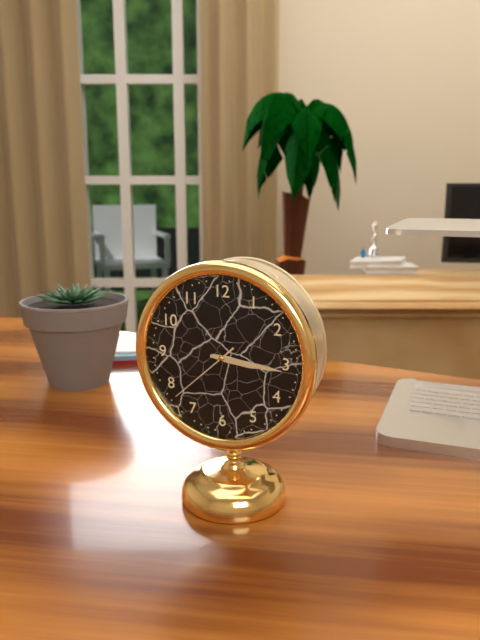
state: 3:16:38
